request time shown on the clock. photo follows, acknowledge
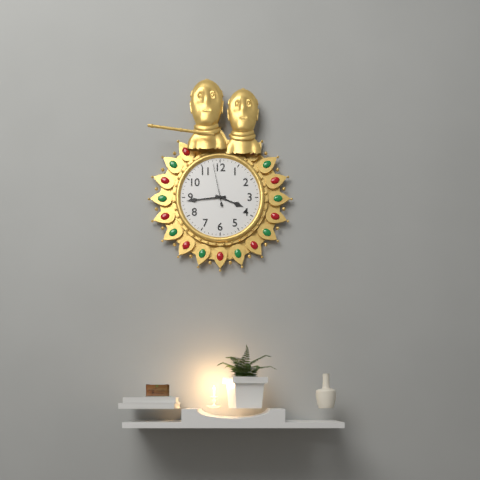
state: 3:44
